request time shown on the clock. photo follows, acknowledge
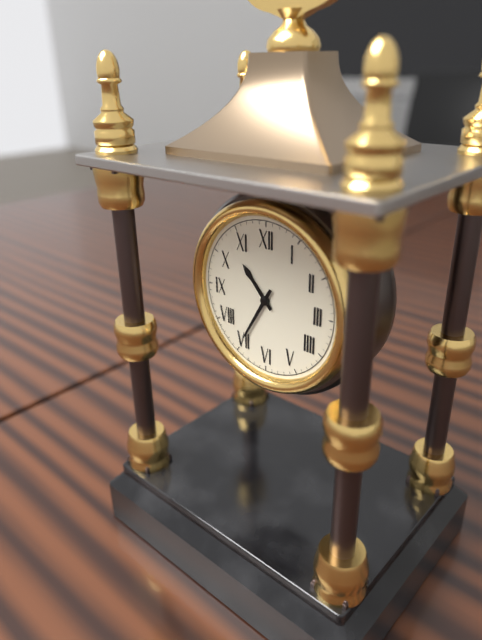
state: 10:35
